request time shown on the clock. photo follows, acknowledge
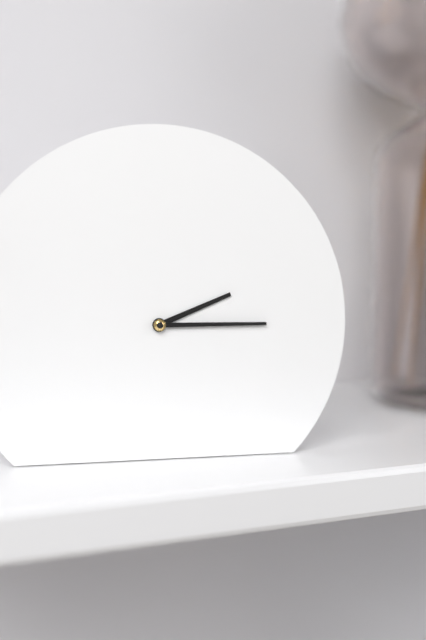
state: 2:15
